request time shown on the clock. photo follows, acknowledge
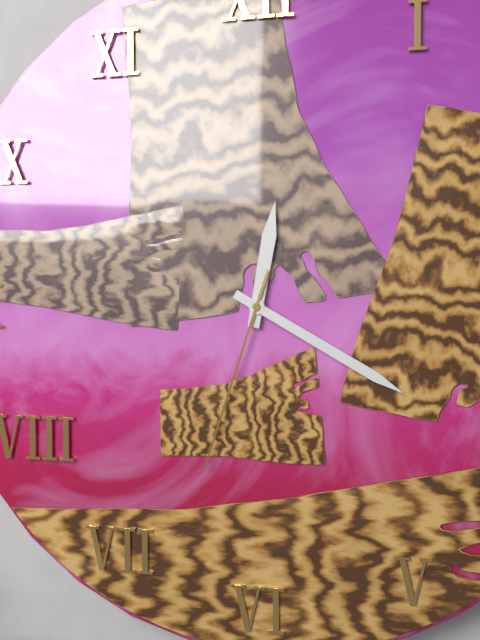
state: 12:20:33
